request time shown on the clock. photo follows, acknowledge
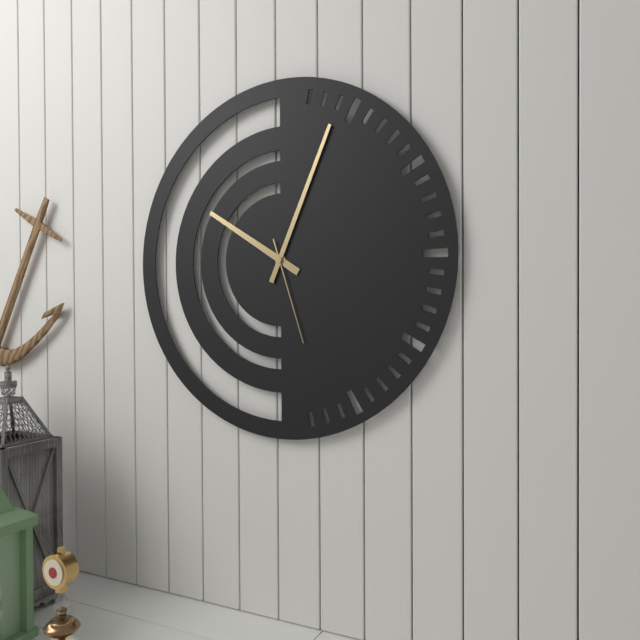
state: 10:04:27
